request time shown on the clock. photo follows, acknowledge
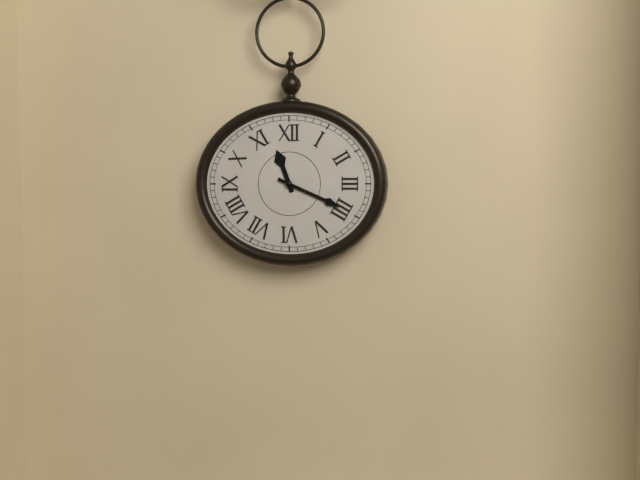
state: 11:19
